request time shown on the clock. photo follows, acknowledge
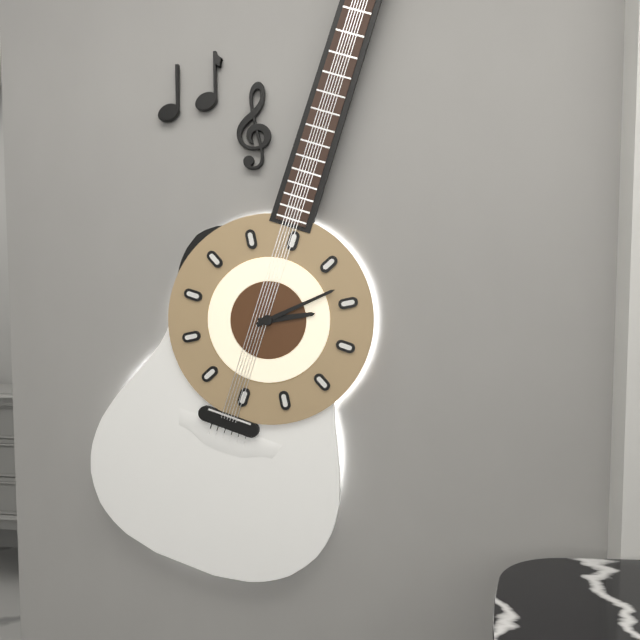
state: 2:08
